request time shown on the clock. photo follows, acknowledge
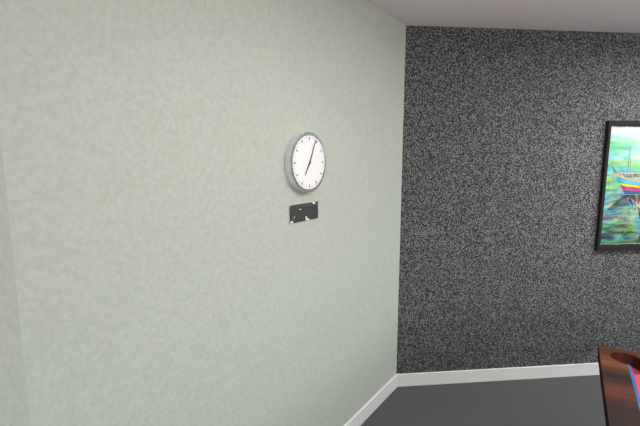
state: 7:04
